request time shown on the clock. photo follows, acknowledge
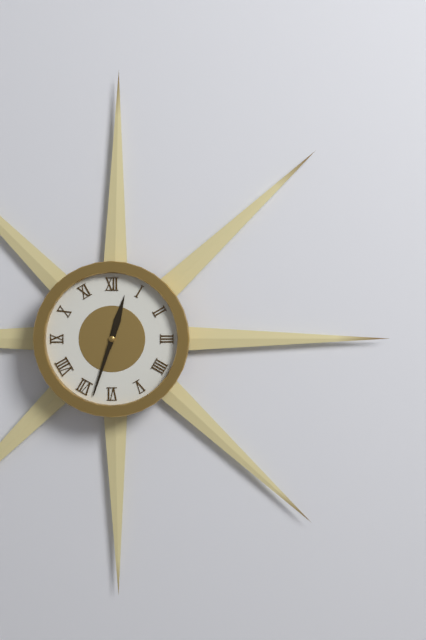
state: 12:33
